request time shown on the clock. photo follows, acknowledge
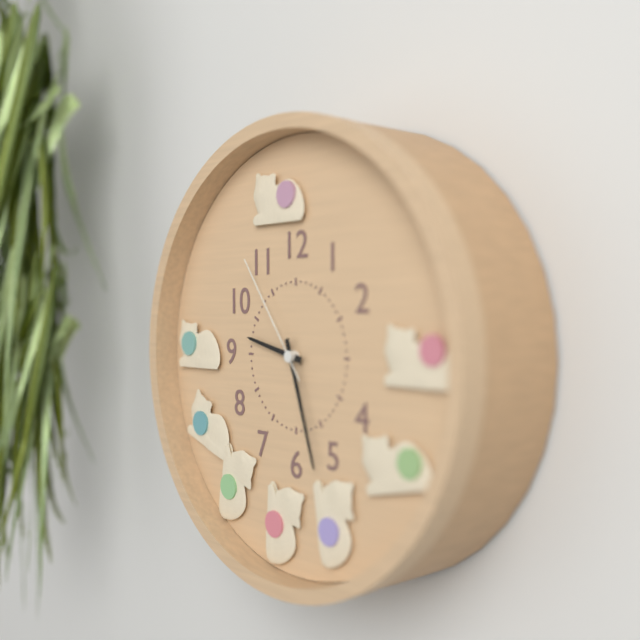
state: 9:27:54
